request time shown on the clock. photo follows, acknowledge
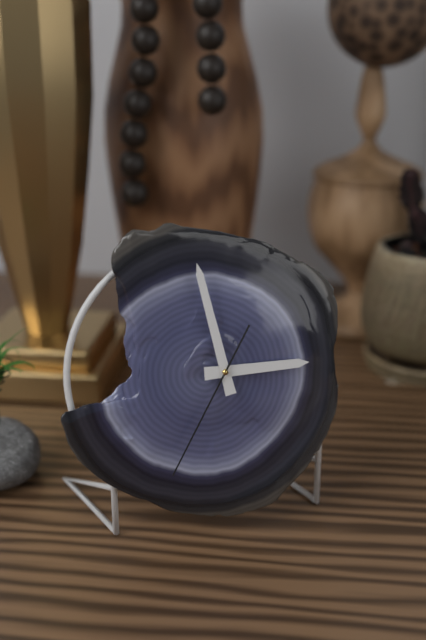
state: 2:58:35
